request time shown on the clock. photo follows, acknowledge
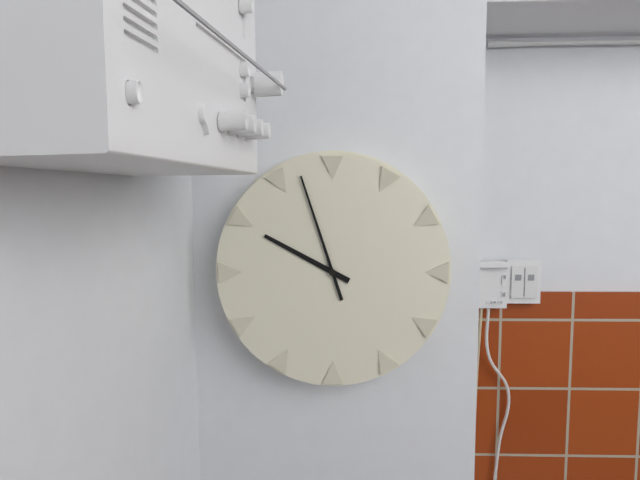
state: 9:57
